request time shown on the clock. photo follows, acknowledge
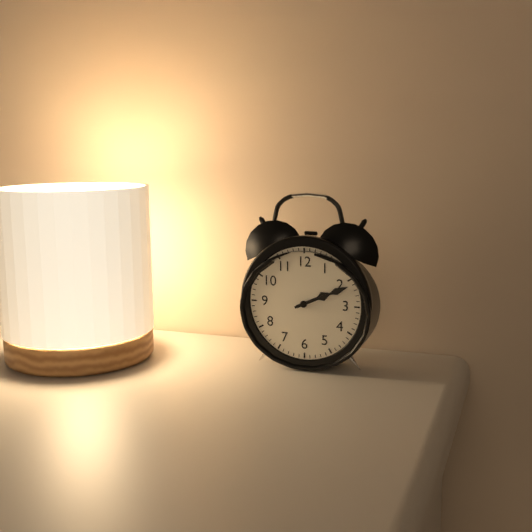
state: 2:11
